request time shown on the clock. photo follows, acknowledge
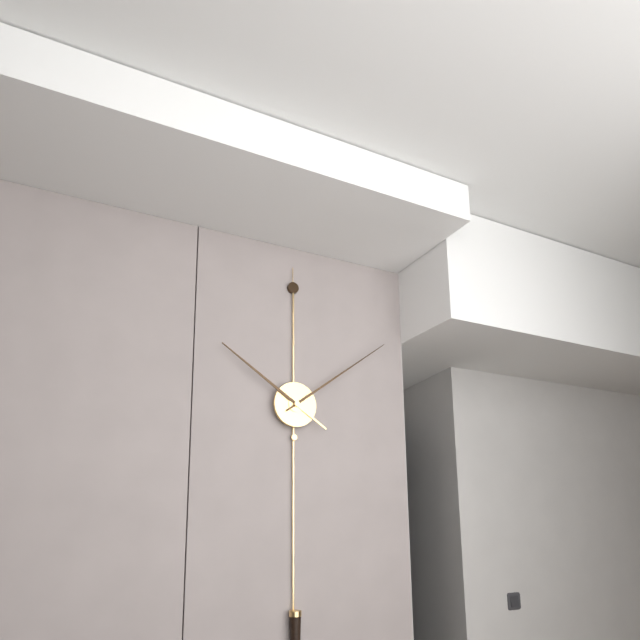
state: 10:09
